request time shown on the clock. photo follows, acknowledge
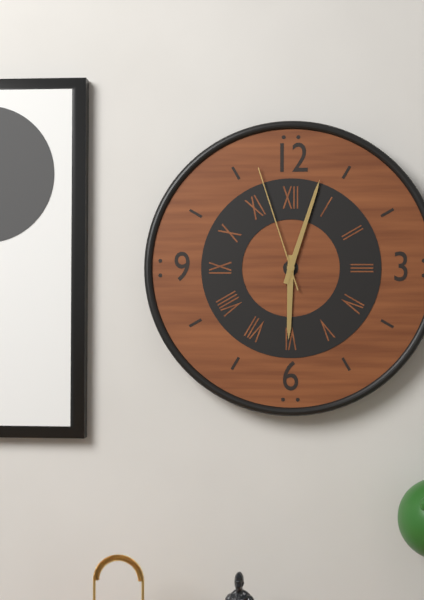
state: 6:03:57
